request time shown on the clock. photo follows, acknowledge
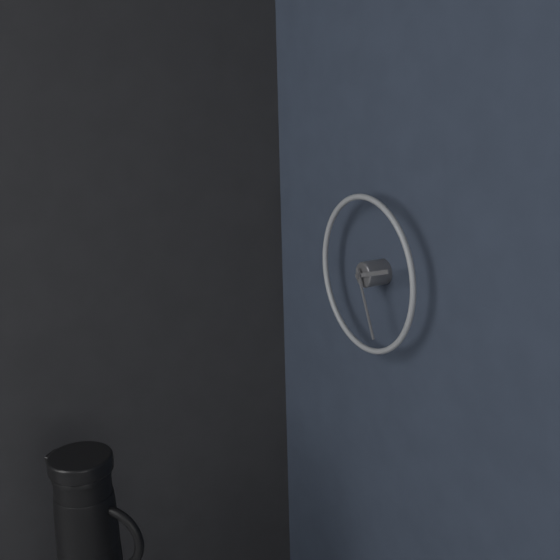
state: 2:26
